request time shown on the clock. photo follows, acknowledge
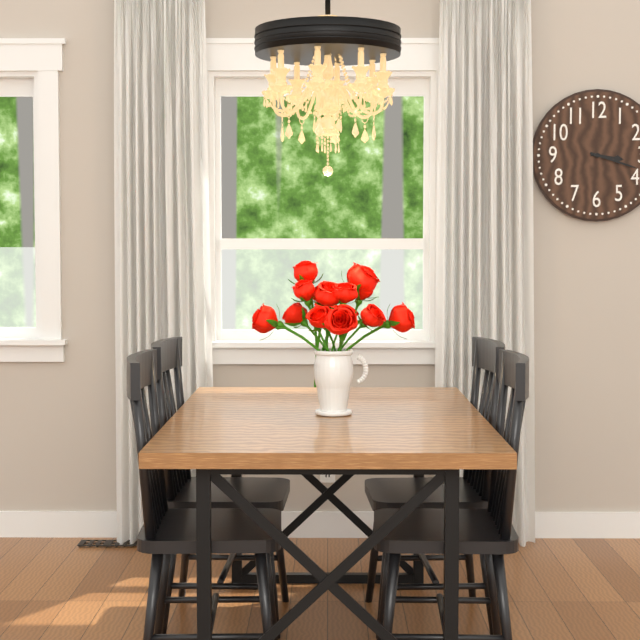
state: 3:18
